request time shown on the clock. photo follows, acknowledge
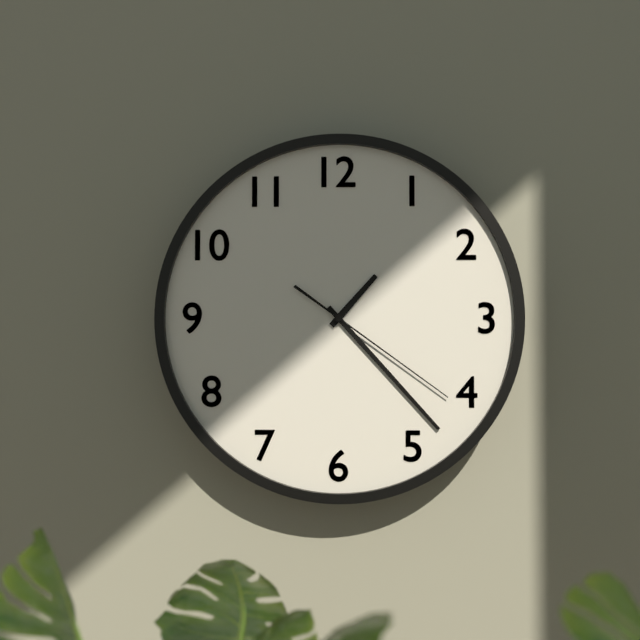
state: 1:23:21
